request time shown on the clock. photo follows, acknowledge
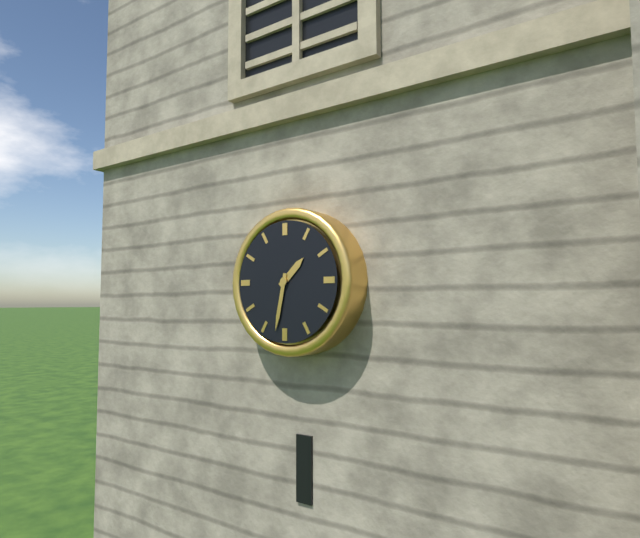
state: 1:32
